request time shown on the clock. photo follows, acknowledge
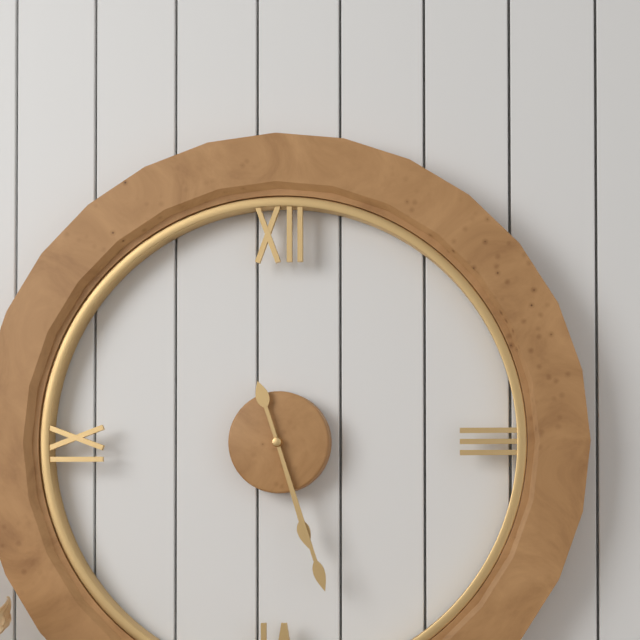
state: 5:27
